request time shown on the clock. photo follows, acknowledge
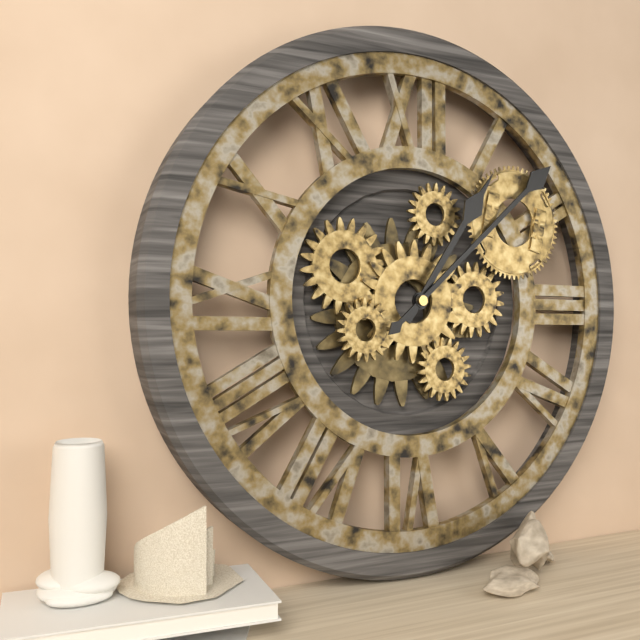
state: 1:08
